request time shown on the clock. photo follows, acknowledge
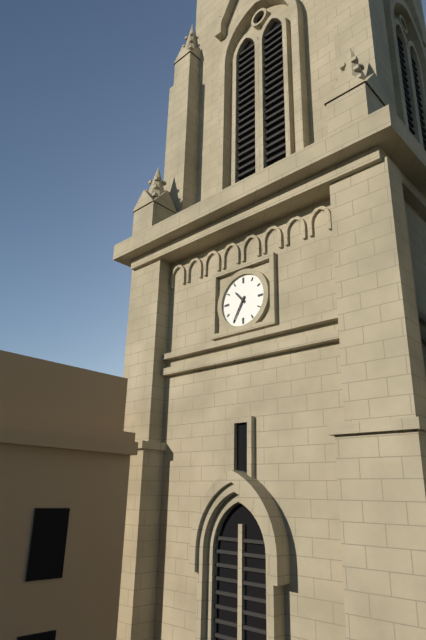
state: 10:35
